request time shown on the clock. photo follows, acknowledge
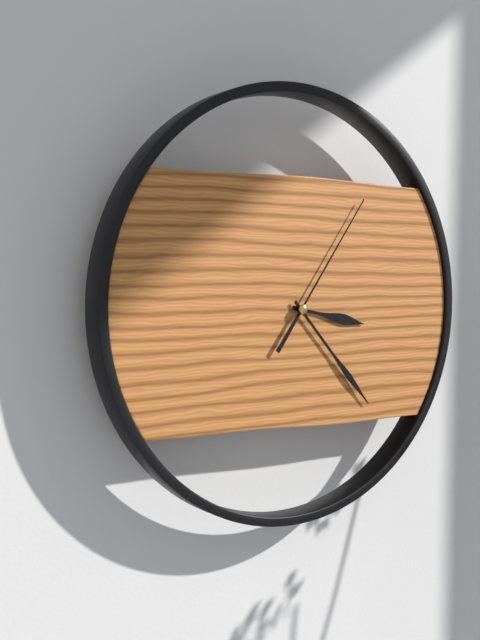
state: 3:23:06
